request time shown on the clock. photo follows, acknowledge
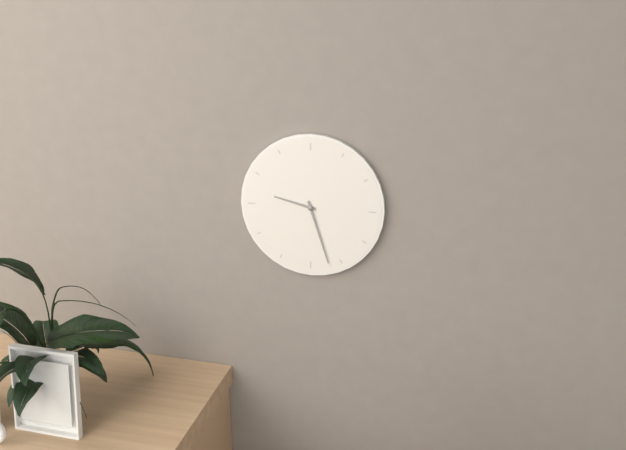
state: 9:27
